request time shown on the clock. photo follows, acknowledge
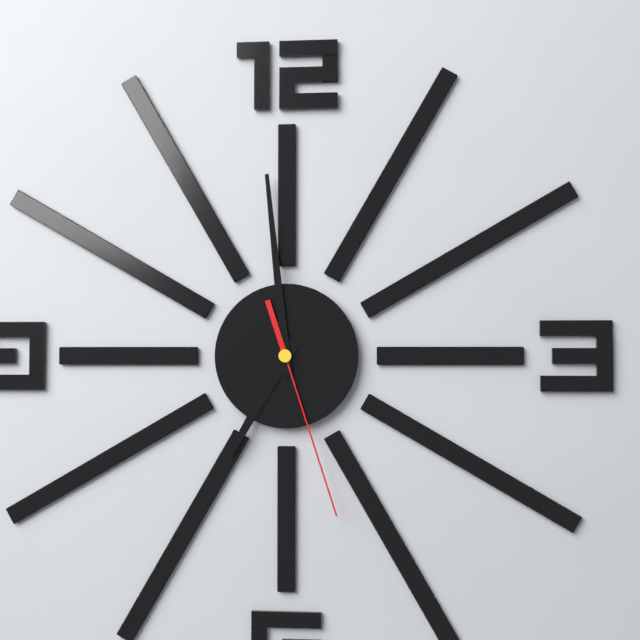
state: 6:59:27
